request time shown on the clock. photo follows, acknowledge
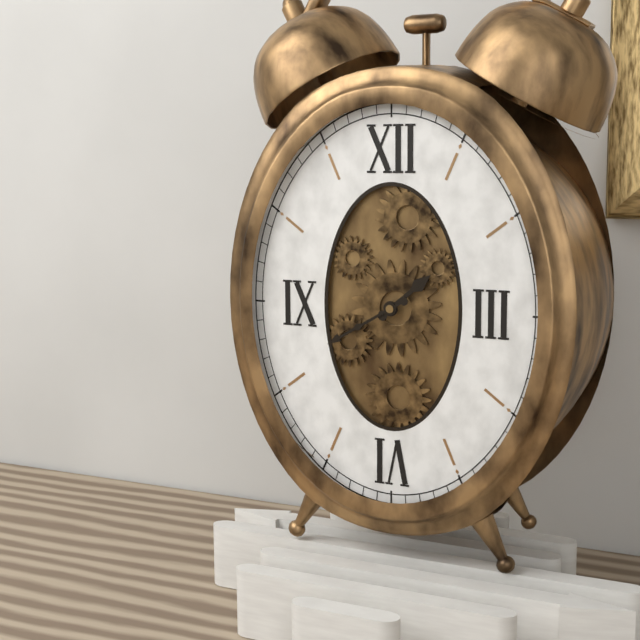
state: 1:40
